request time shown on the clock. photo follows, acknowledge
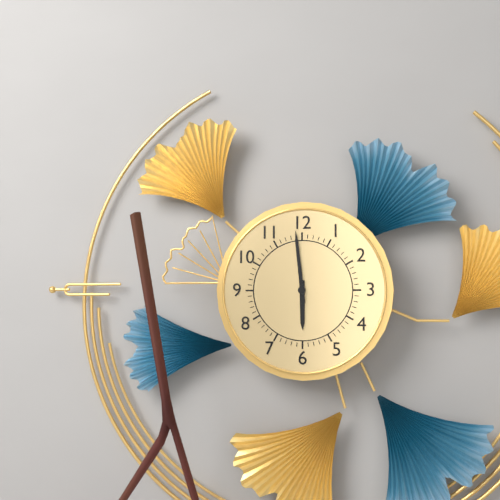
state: 5:59
